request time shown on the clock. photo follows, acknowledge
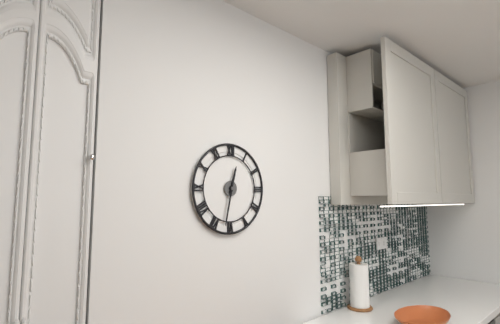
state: 12:32
